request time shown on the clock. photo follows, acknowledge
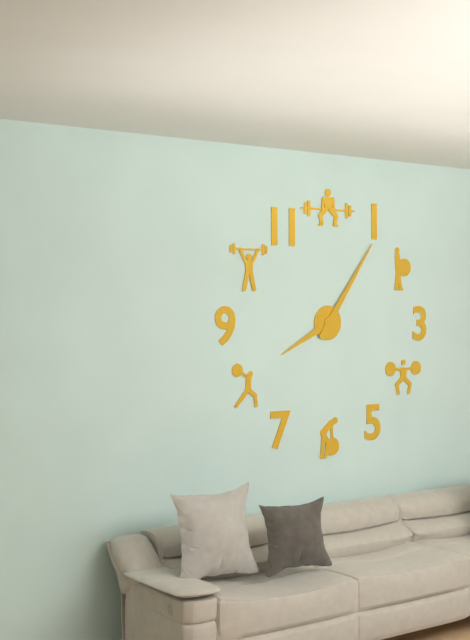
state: 8:06
